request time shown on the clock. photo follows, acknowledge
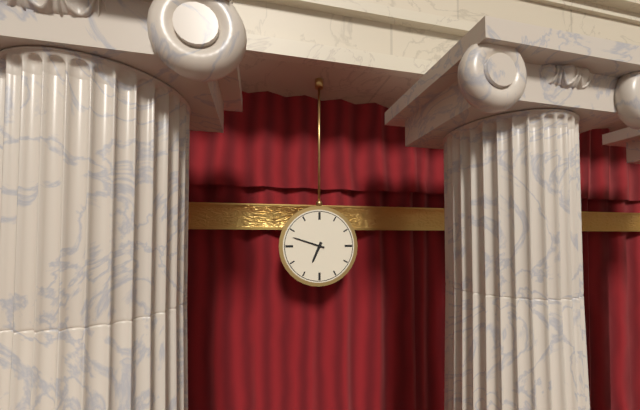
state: 6:48
